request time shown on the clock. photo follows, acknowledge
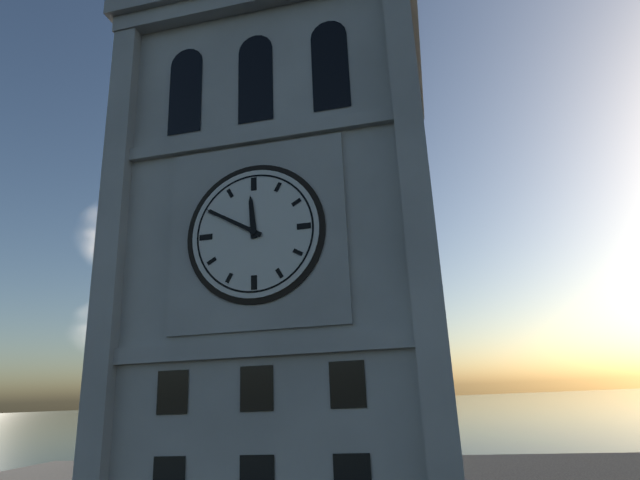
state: 11:50
